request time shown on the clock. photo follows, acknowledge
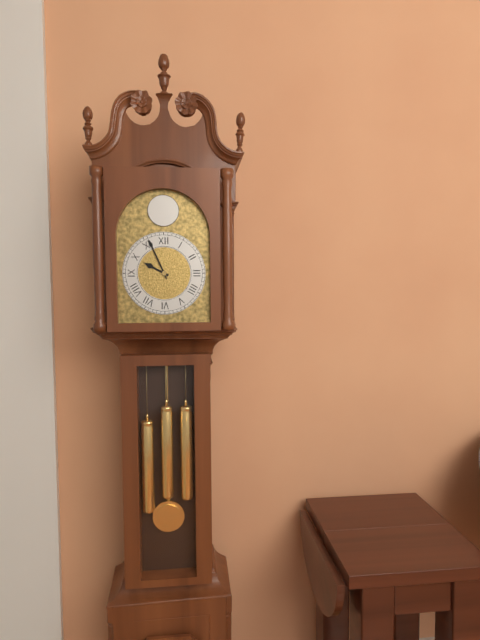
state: 9:56
